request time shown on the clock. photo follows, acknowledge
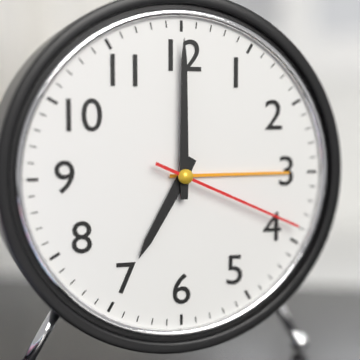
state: 7:00:19
